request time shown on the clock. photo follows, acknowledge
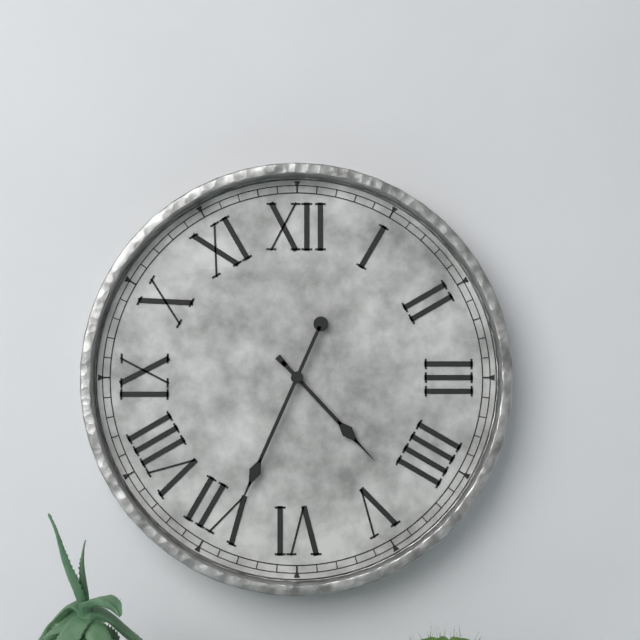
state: 4:34
